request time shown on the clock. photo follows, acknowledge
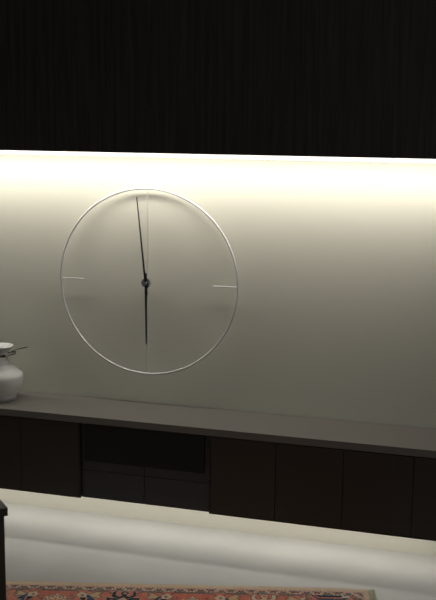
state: 5:59
